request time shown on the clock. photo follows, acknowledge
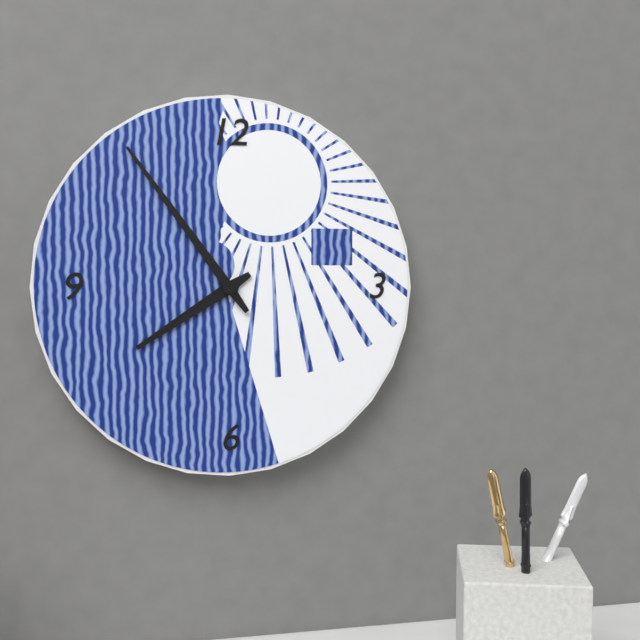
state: 7:54
